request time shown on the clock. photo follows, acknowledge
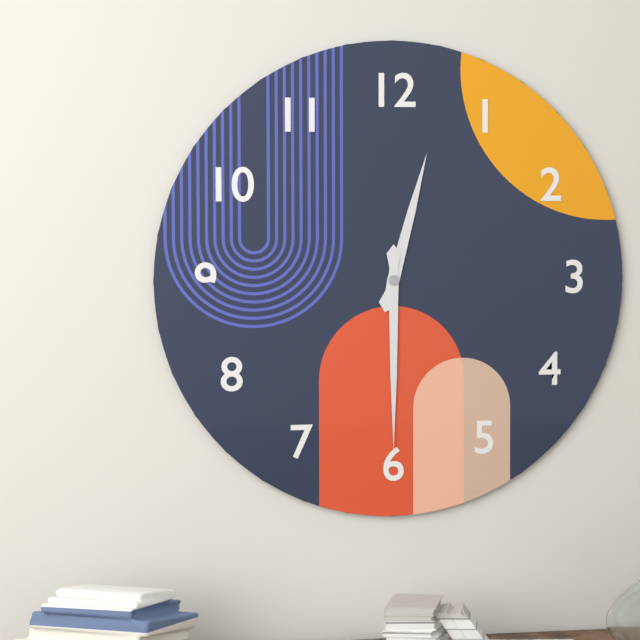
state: 12:30
